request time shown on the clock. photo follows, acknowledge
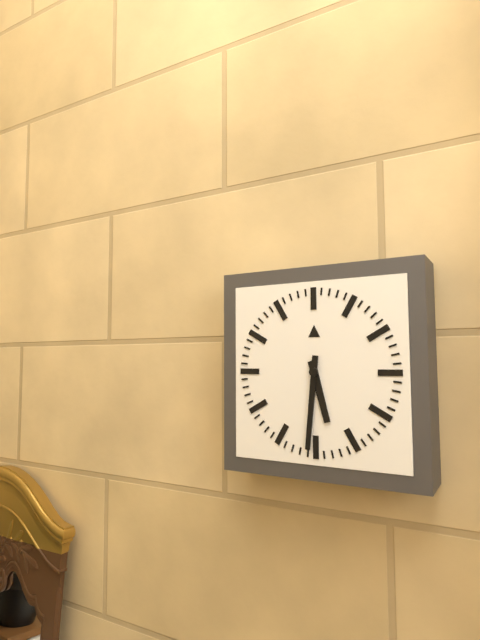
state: 5:31
